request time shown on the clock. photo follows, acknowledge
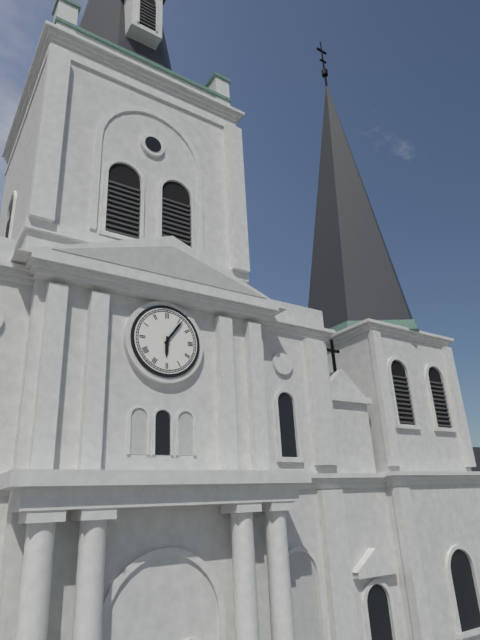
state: 6:06
